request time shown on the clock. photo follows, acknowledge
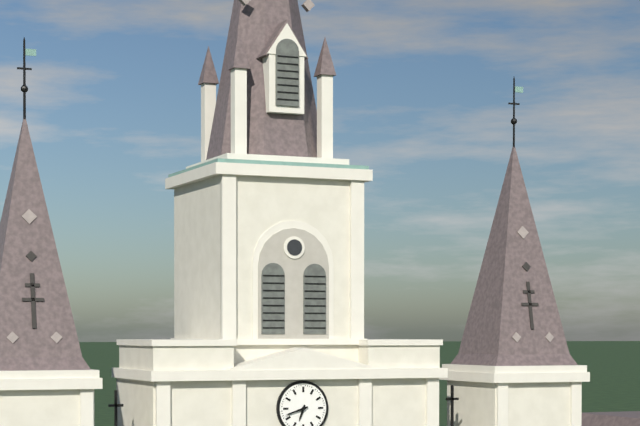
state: 6:42
